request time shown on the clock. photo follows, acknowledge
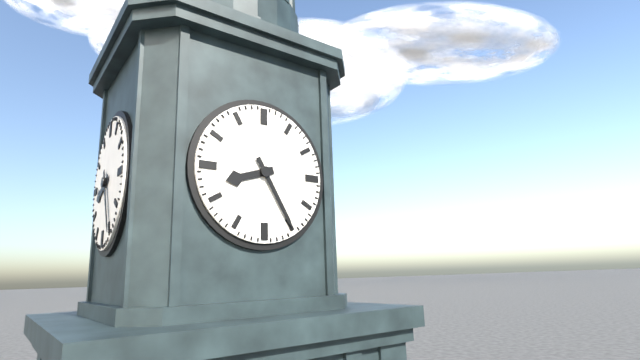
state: 8:25
